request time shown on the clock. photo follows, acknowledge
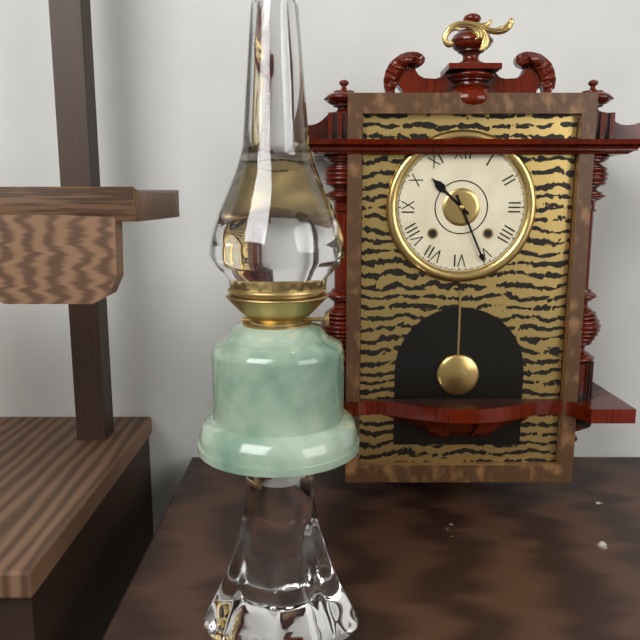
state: 10:26
